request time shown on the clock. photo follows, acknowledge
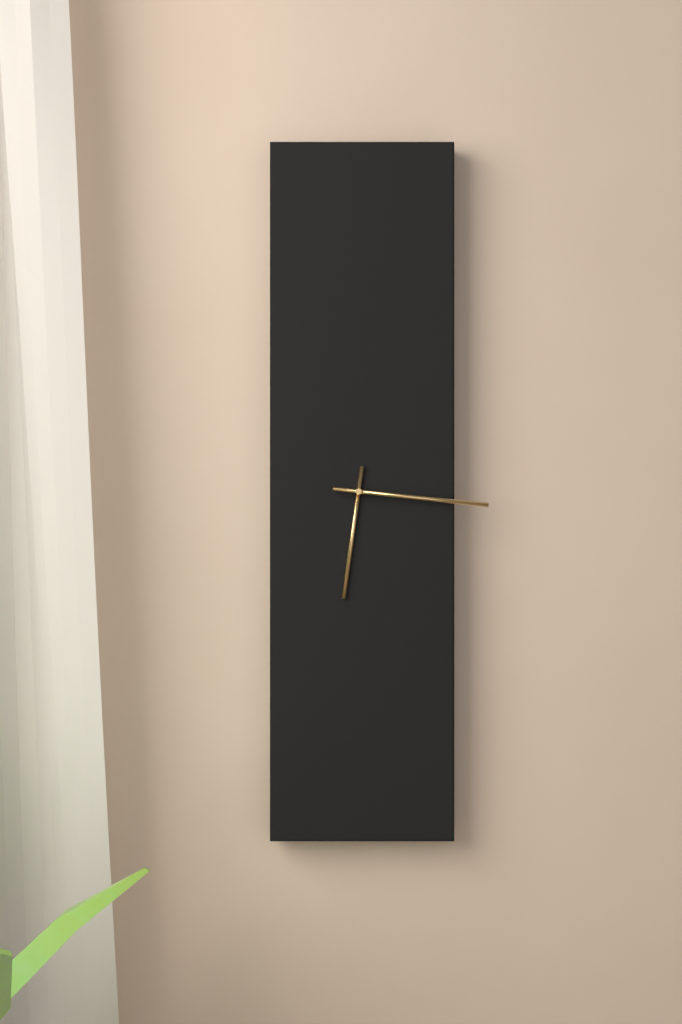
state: 6:16
